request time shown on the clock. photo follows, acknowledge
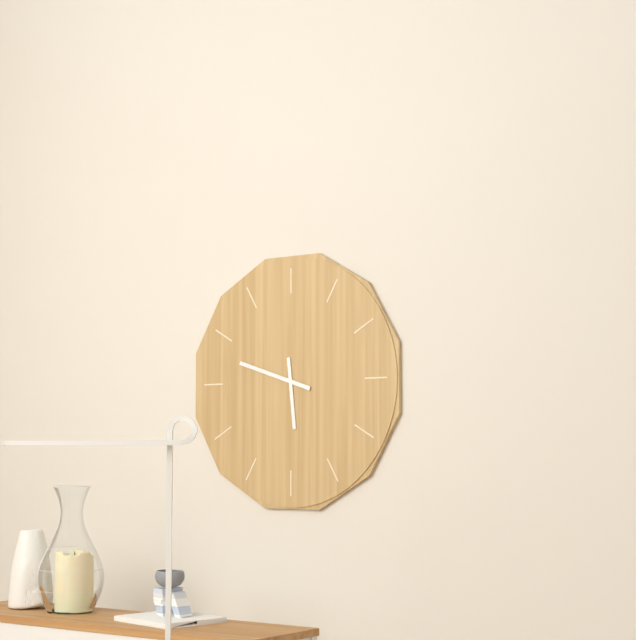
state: 5:48
